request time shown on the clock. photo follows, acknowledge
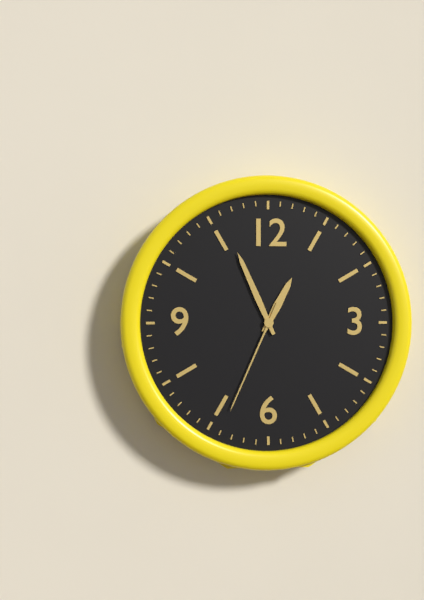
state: 12:56:34
